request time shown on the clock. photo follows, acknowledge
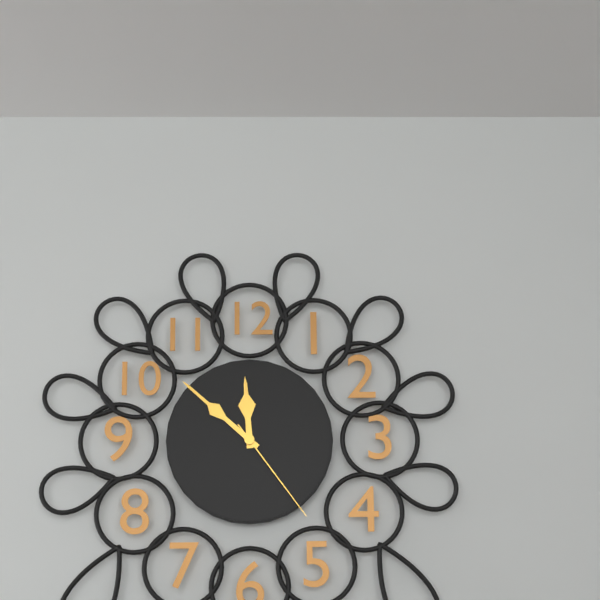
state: 11:52:24
